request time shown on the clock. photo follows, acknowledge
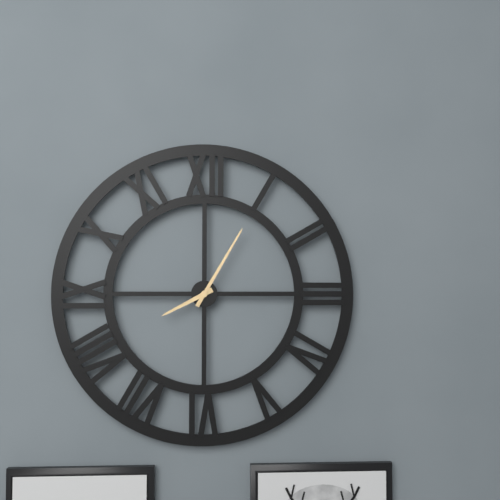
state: 8:05
